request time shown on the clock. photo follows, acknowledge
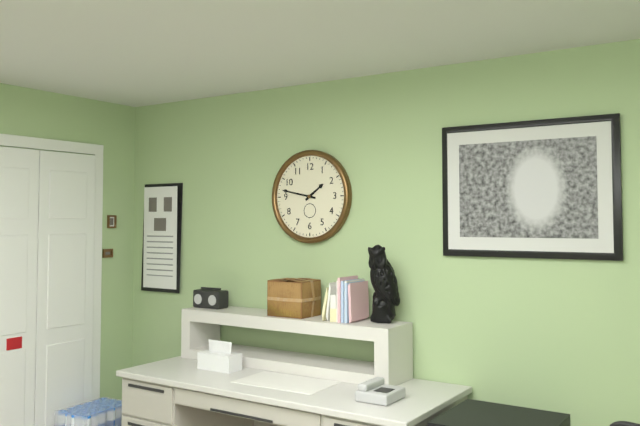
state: 1:47
